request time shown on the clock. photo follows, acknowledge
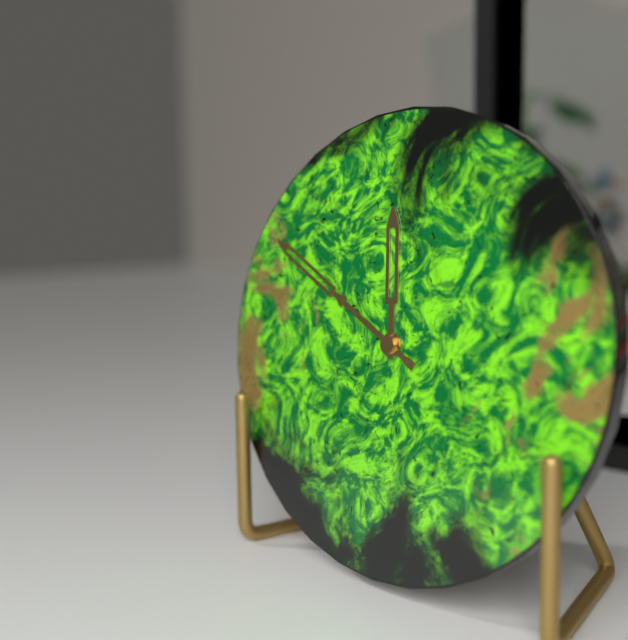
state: 11:50
